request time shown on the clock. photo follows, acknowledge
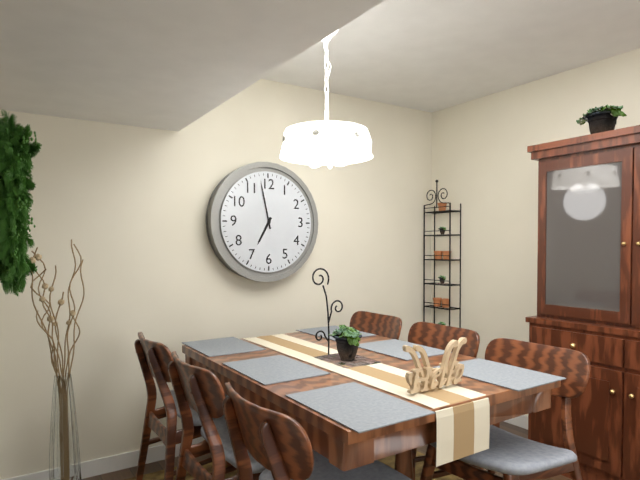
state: 6:58
